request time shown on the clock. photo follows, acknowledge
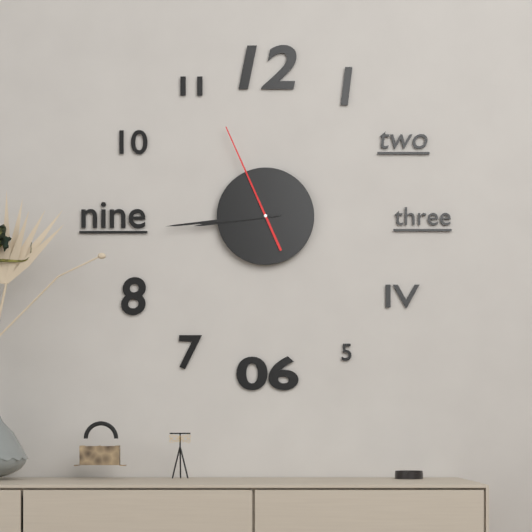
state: 8:44:56
